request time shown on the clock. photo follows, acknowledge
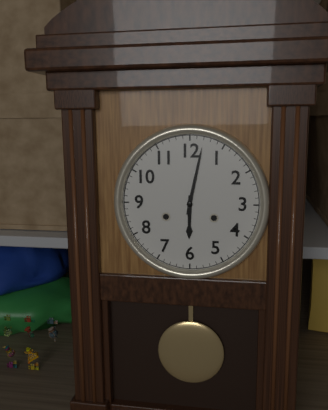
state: 6:02
